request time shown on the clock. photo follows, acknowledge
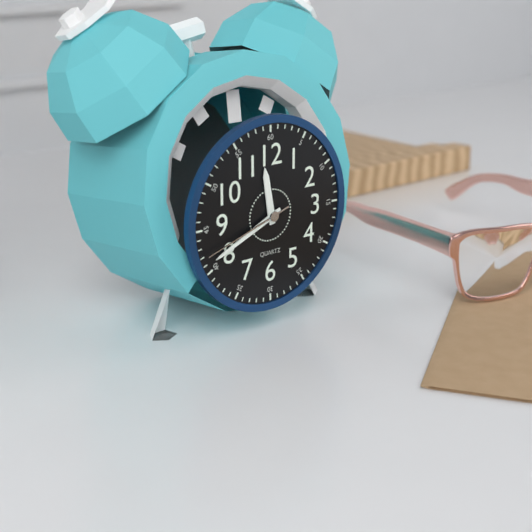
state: 11:41:42
